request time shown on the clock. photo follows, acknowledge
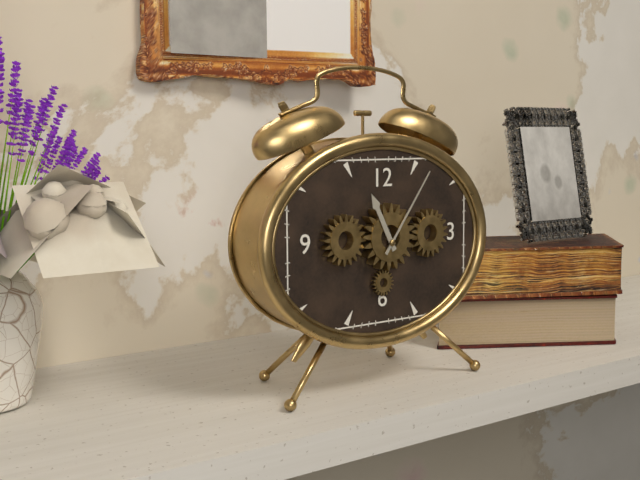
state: 11:06
